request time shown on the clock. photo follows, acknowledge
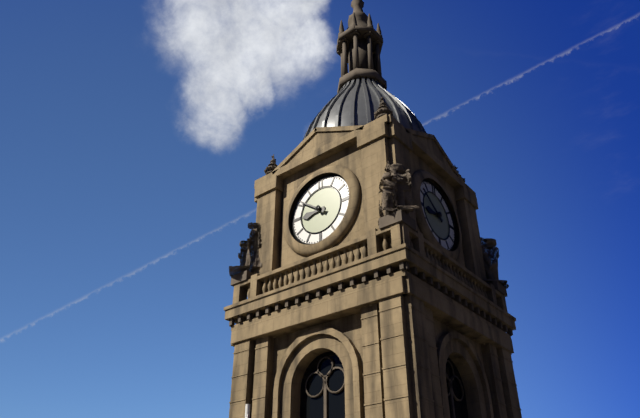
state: 8:51
